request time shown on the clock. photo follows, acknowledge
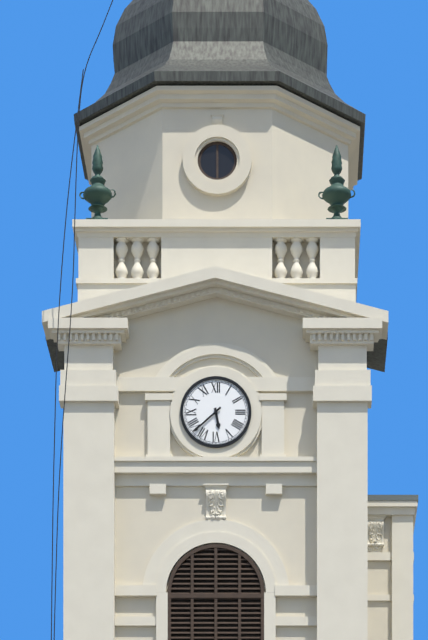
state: 5:38
